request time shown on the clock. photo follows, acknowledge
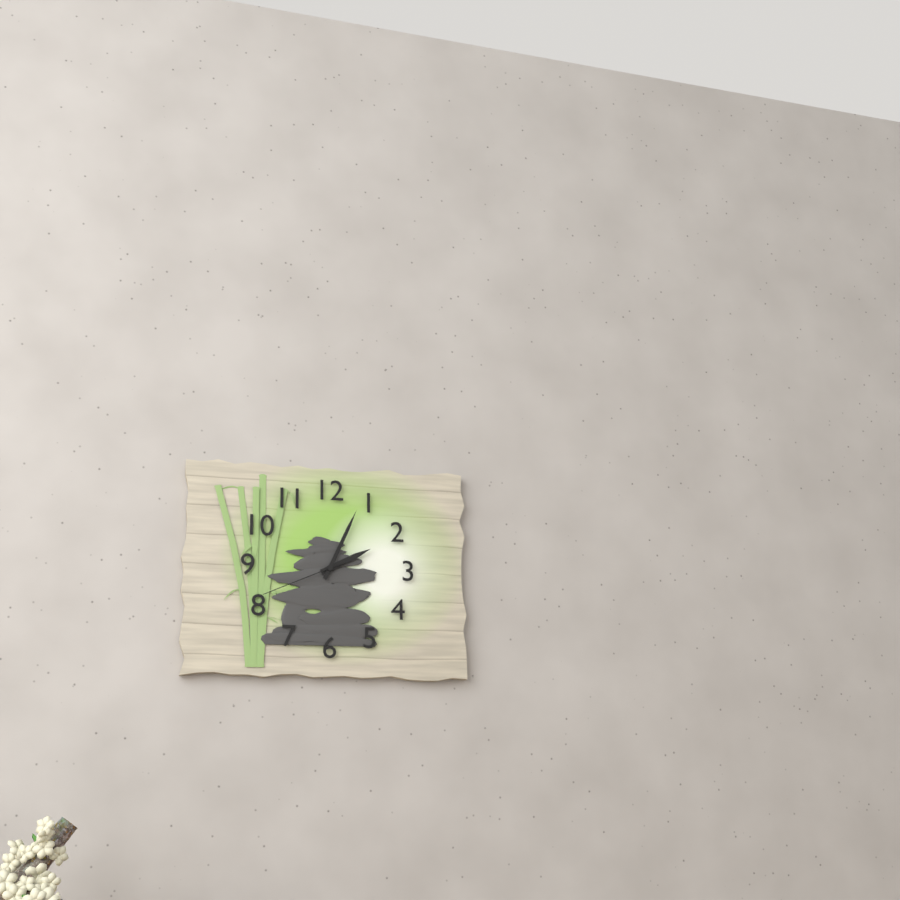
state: 2:04:41
